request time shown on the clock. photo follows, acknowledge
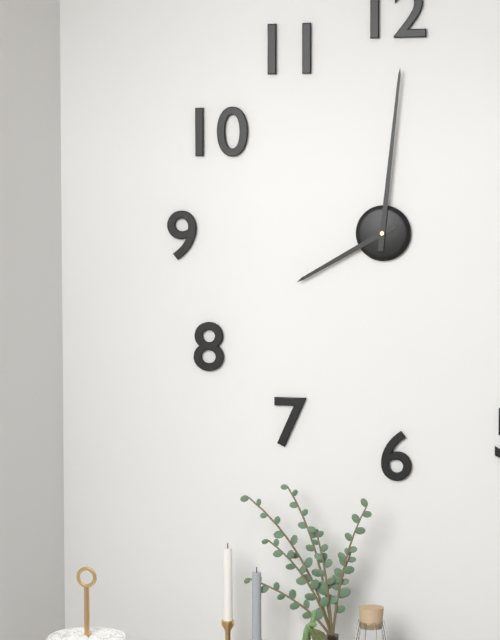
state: 8:01
